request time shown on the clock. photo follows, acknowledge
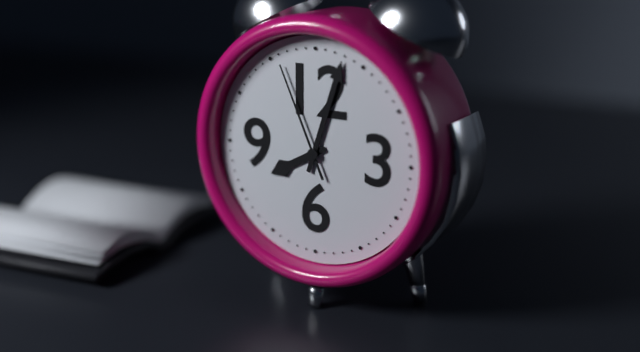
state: 8:03:56
